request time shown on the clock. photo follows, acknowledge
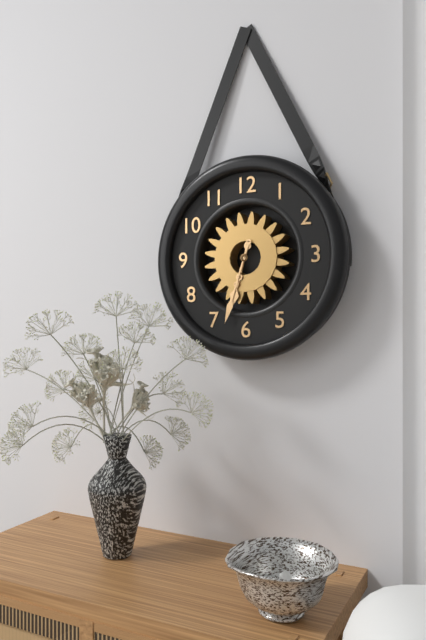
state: 6:33
